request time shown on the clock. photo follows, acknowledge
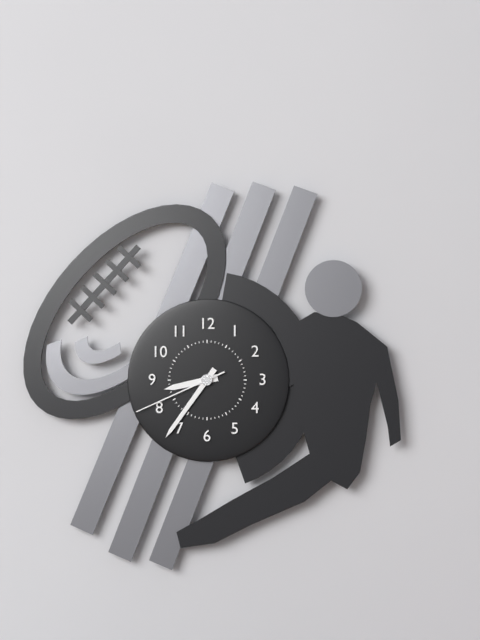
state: 8:36:41
